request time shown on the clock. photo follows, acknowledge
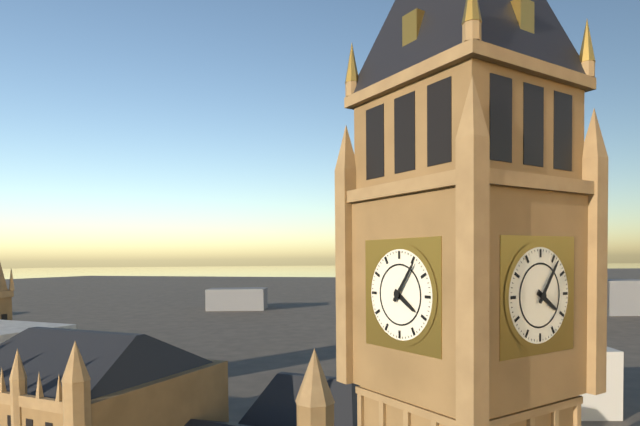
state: 4:06
